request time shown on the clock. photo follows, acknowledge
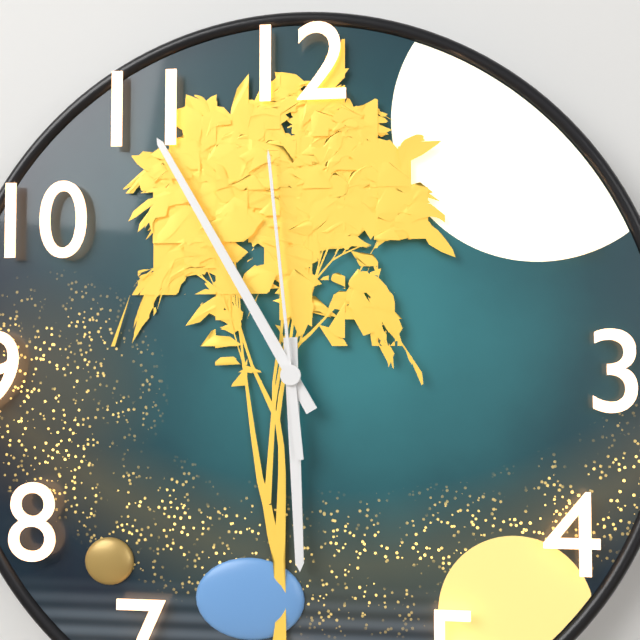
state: 5:55:59
